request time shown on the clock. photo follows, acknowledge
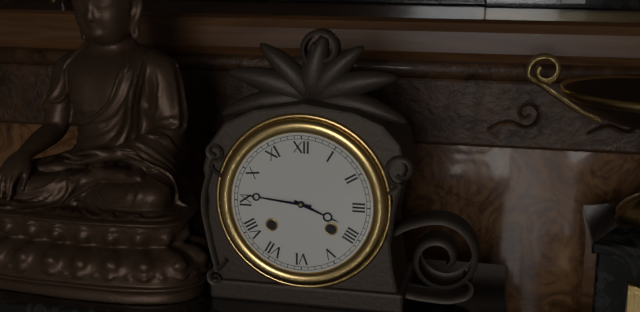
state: 3:46
